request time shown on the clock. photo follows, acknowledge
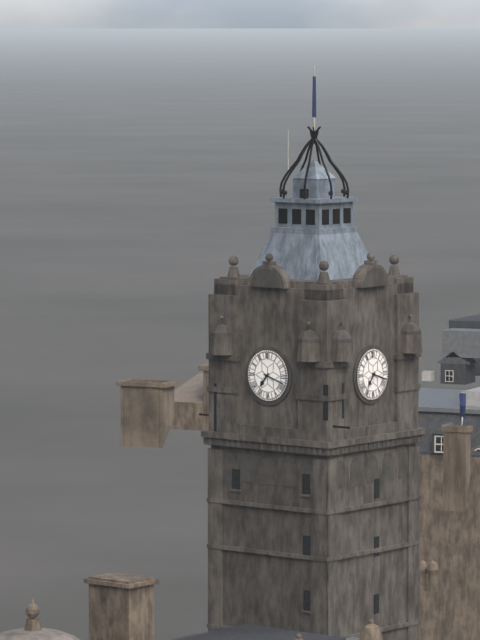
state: 7:18
